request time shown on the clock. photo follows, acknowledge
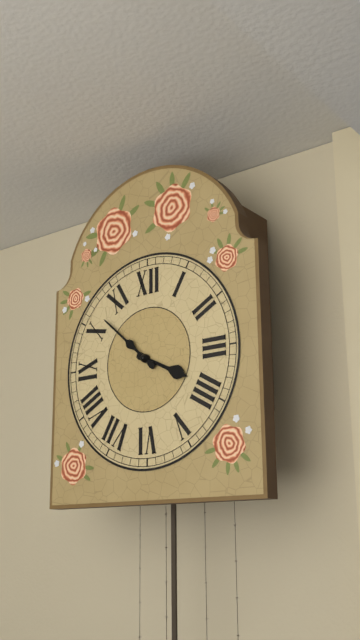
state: 3:52
